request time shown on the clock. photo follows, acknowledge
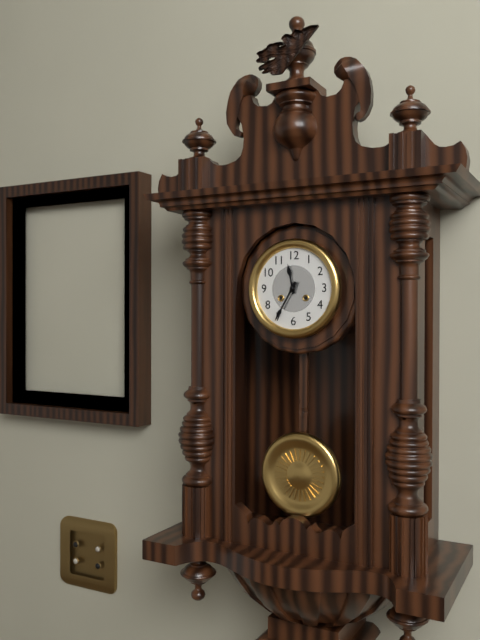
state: 11:35
